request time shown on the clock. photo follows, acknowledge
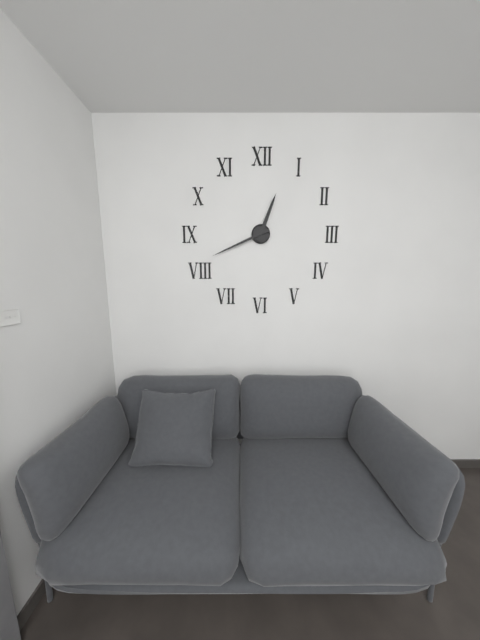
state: 12:41
